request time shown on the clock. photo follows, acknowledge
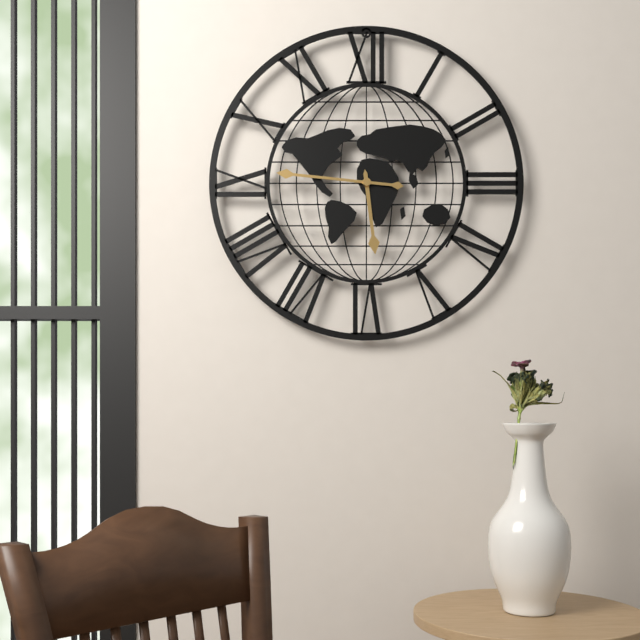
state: 5:46
